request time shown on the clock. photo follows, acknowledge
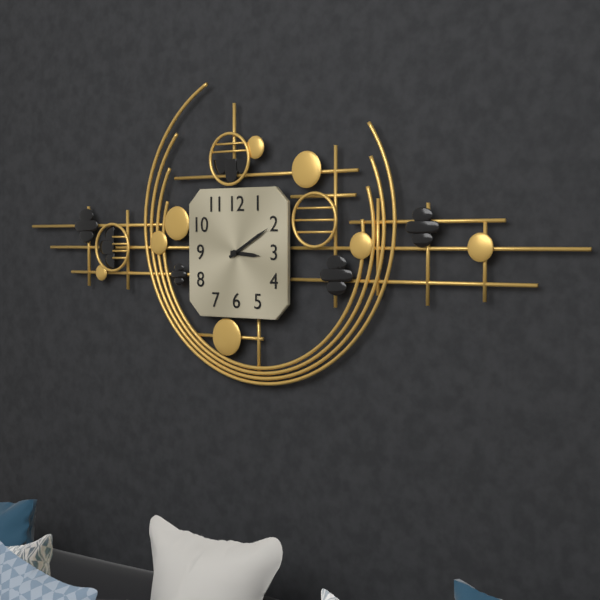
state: 3:10
